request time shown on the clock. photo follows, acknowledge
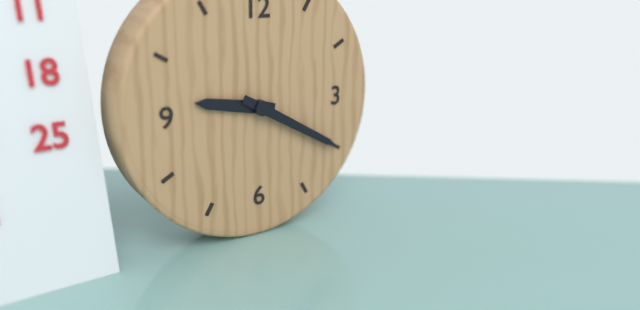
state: 9:20
